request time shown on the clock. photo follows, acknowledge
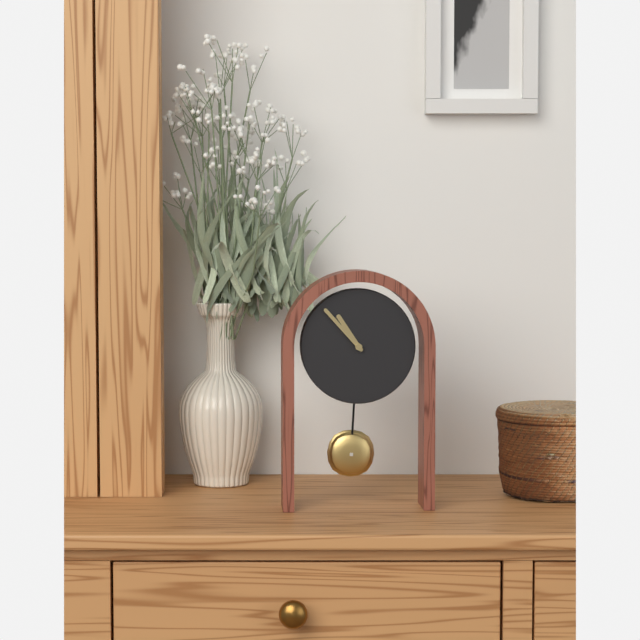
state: 10:53
